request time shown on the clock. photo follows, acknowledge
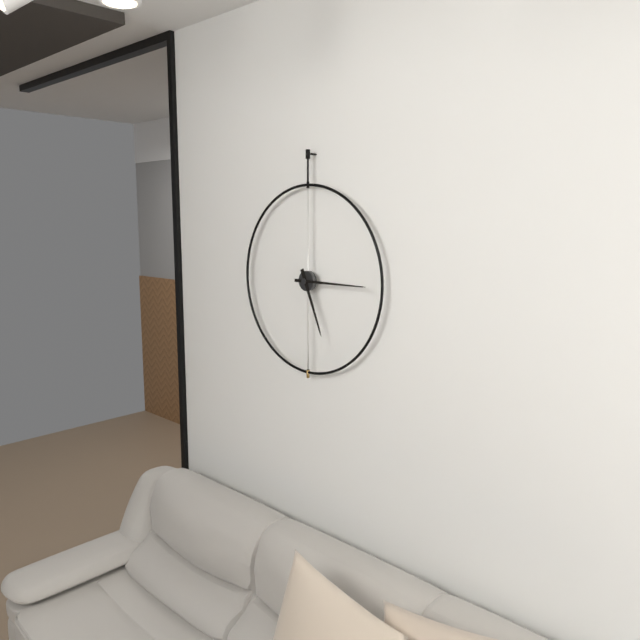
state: 5:15
